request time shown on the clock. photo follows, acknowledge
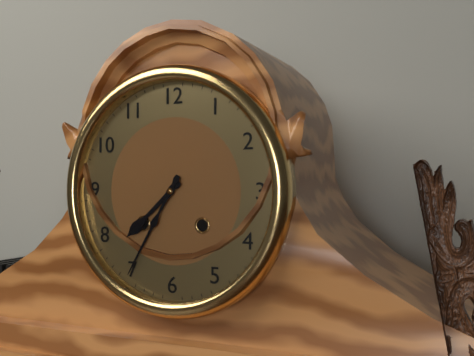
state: 7:35
